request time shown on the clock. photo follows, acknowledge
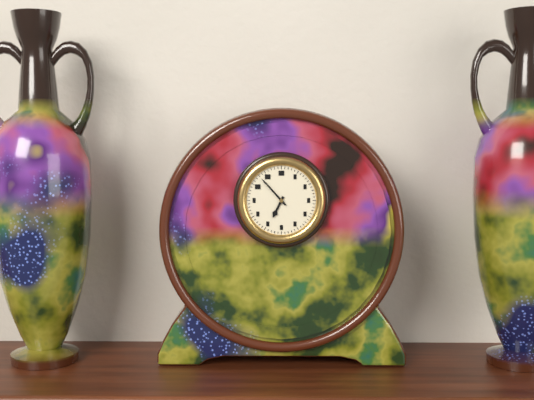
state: 6:53
